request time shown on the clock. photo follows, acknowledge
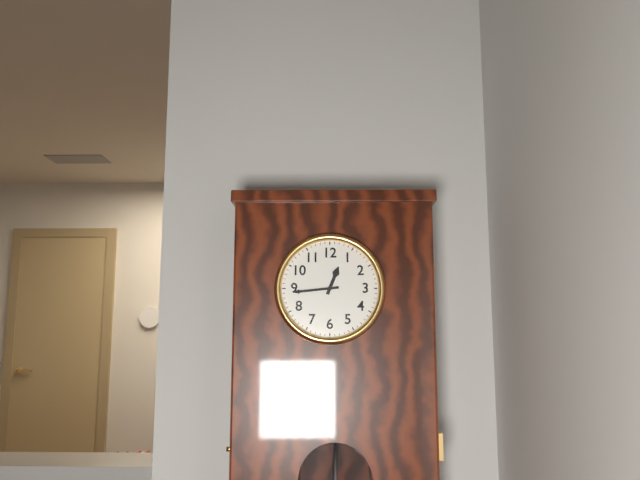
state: 12:44
